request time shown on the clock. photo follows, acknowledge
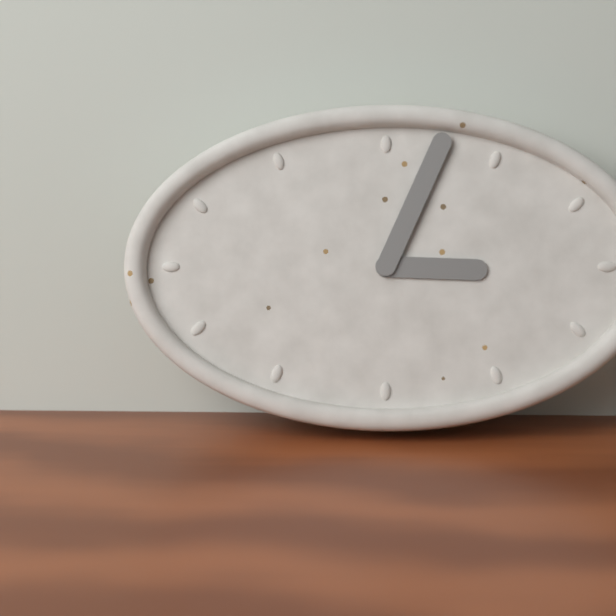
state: 3:04
